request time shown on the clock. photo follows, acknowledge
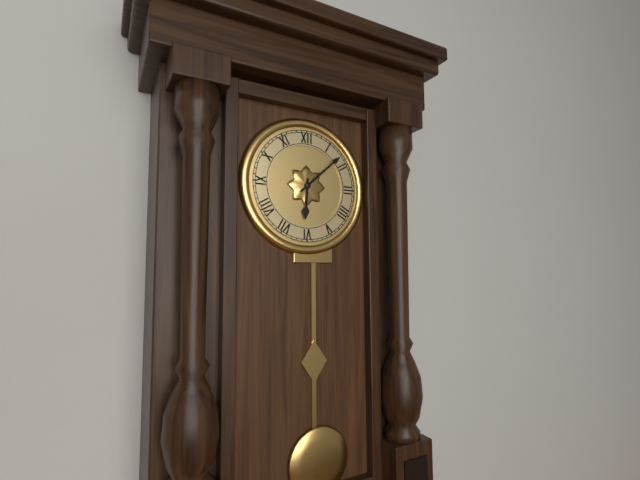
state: 6:08
